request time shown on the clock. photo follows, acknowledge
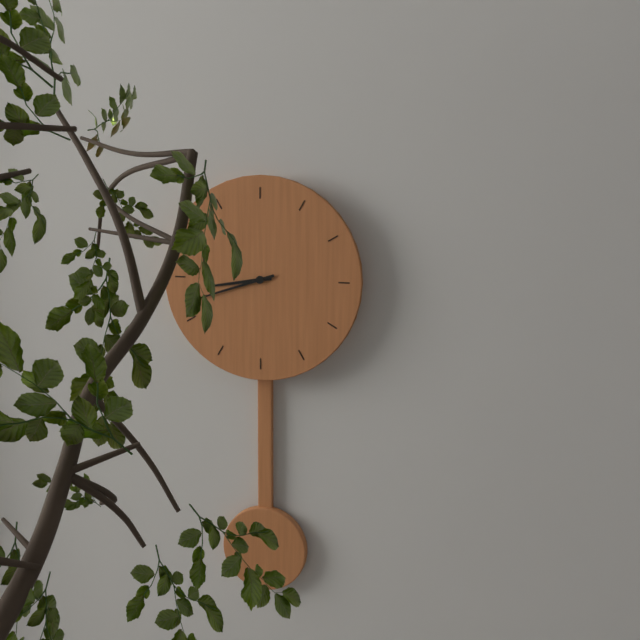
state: 8:42
